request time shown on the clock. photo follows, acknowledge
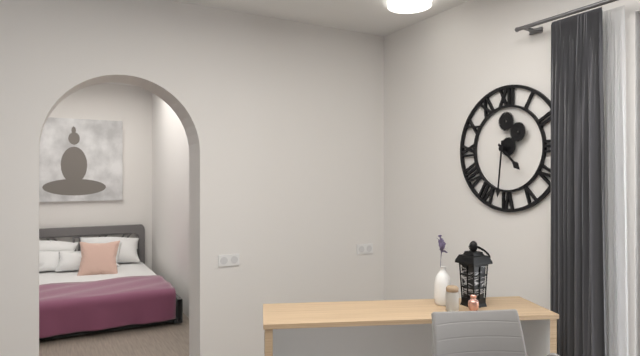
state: 4:31
